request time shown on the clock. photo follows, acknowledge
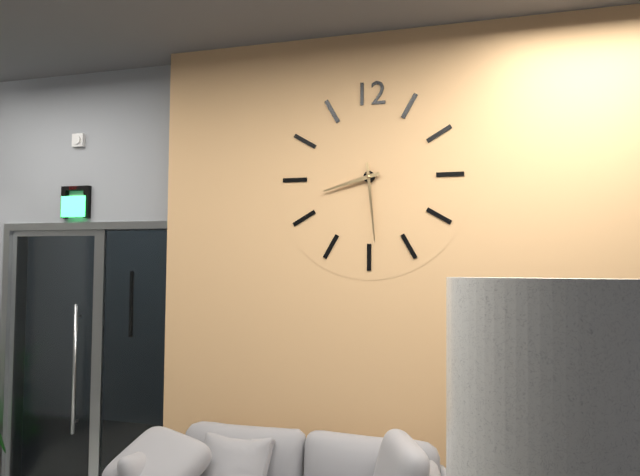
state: 8:29
